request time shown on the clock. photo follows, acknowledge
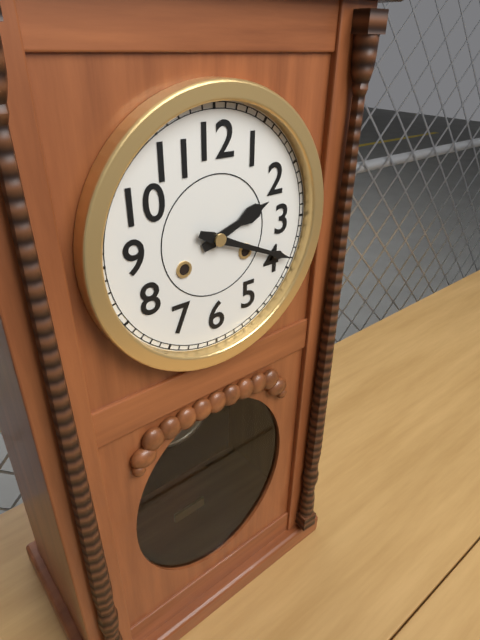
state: 2:19
